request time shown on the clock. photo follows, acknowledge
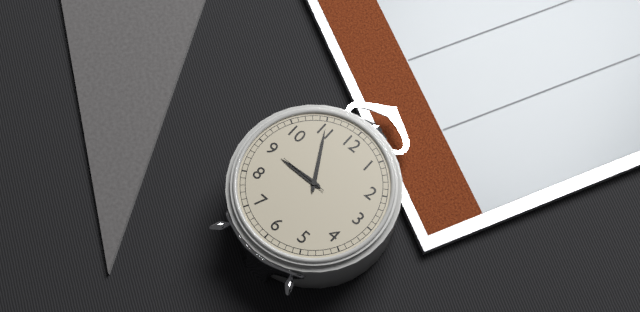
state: 8:55
